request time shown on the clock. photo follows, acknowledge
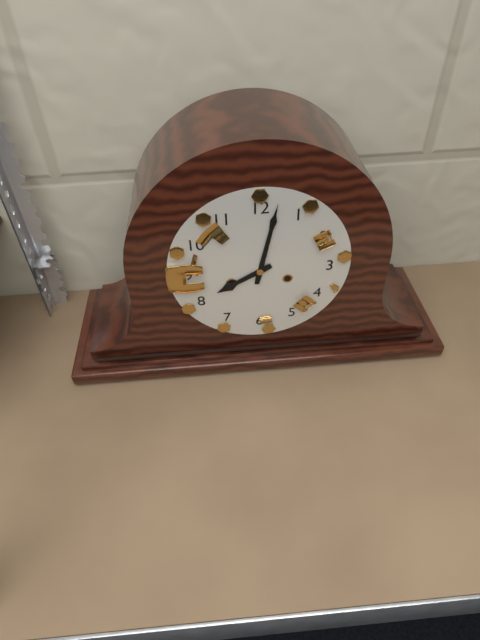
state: 8:02
